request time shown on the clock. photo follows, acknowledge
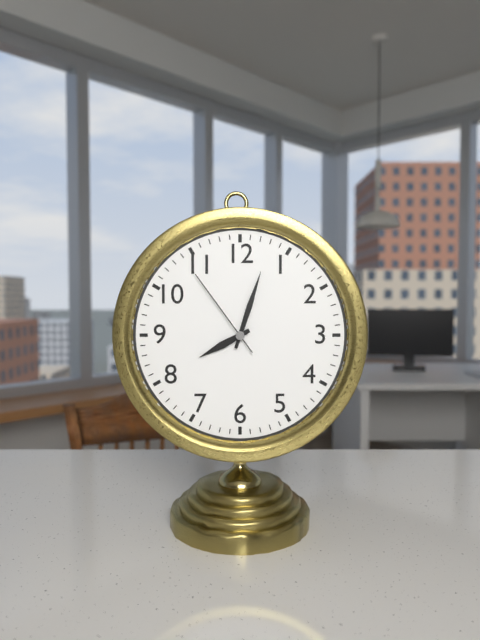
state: 8:03:54
